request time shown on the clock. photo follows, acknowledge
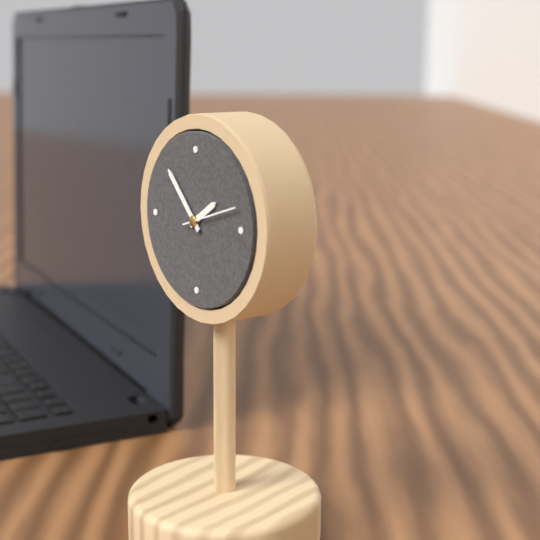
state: 1:53
